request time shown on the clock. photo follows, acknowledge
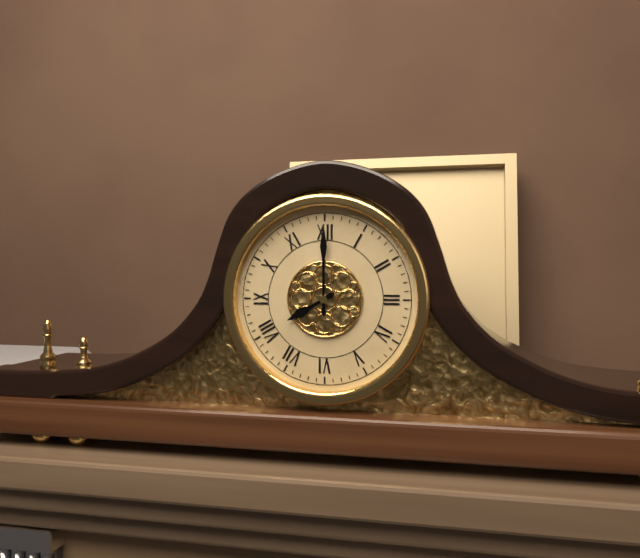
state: 8:00
